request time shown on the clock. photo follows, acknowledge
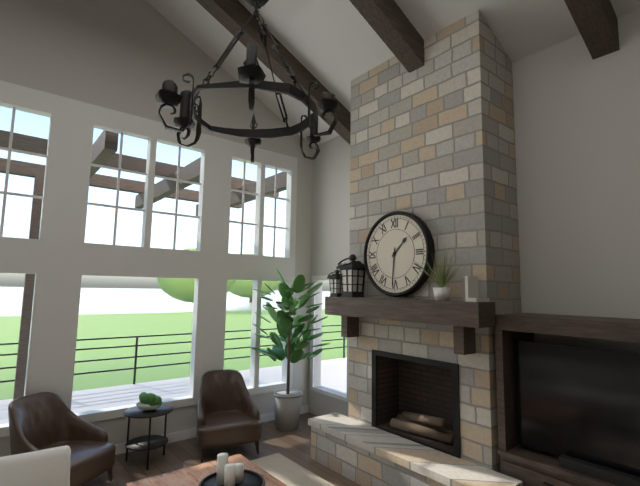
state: 1:31
